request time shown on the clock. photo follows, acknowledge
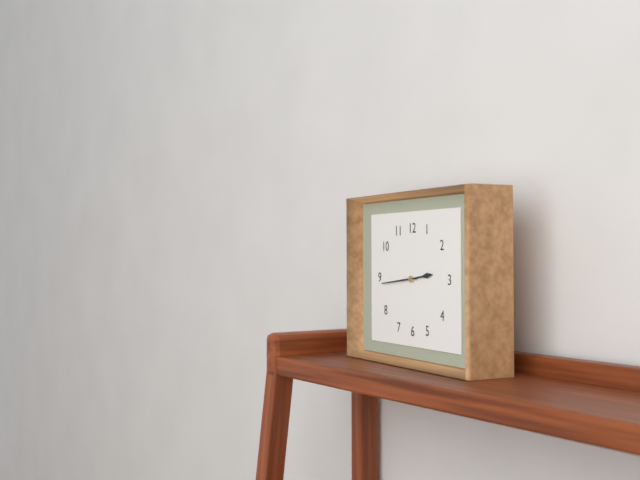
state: 2:44
